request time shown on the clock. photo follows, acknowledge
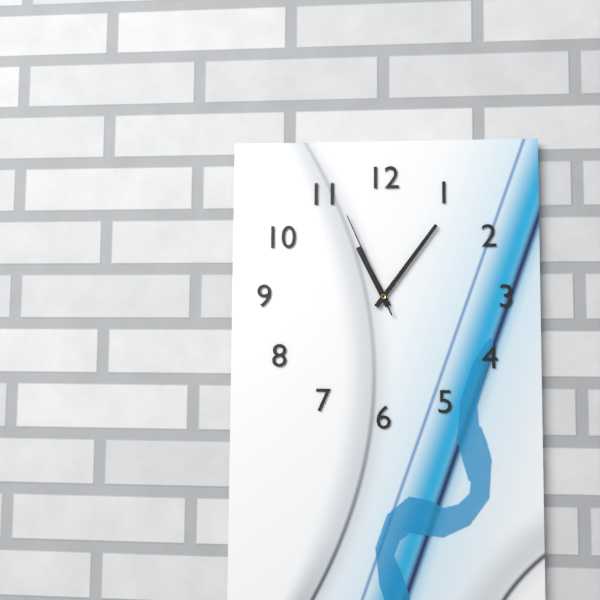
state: 11:06:56
